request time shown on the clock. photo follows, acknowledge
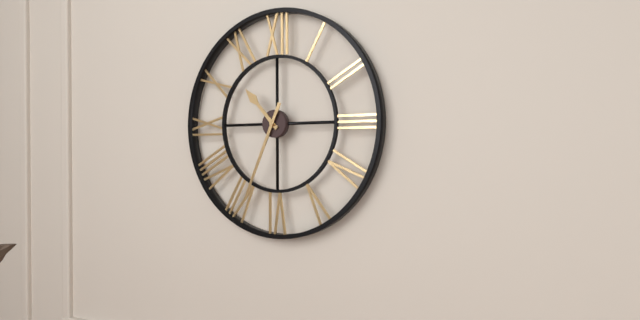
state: 10:34
